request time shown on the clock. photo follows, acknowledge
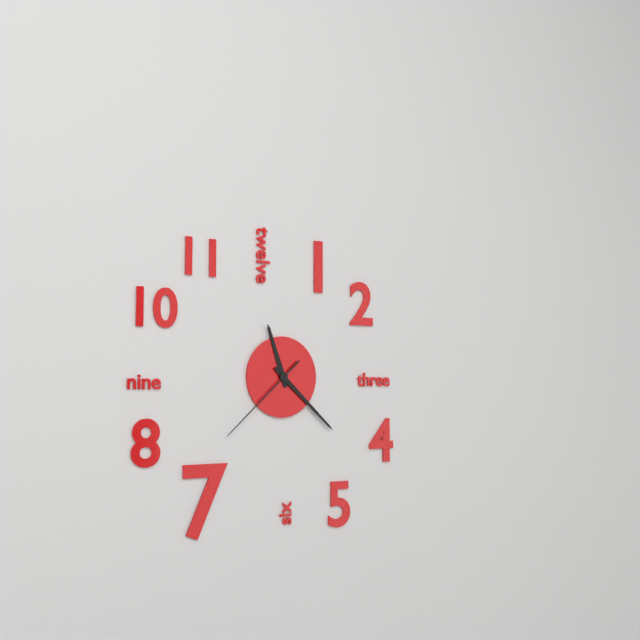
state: 11:22:38
